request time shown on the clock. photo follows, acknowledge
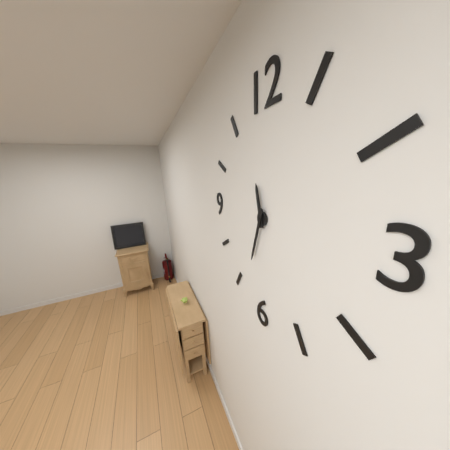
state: 11:33
